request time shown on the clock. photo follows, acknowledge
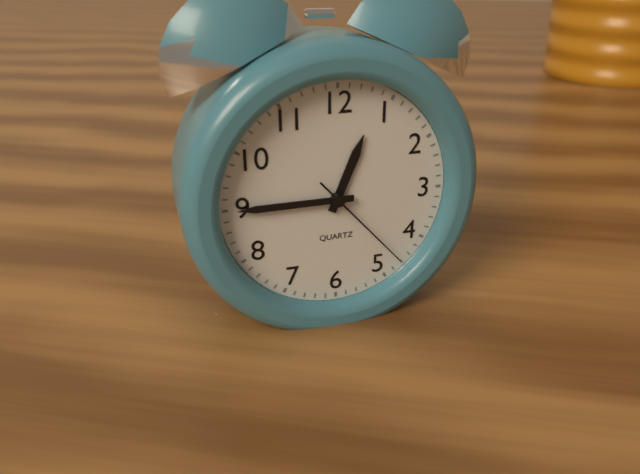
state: 12:45:23
